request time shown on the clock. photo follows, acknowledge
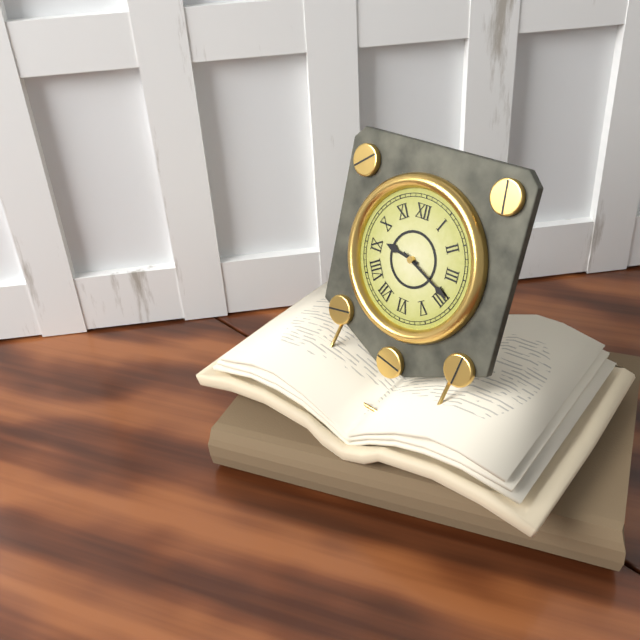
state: 9:19
